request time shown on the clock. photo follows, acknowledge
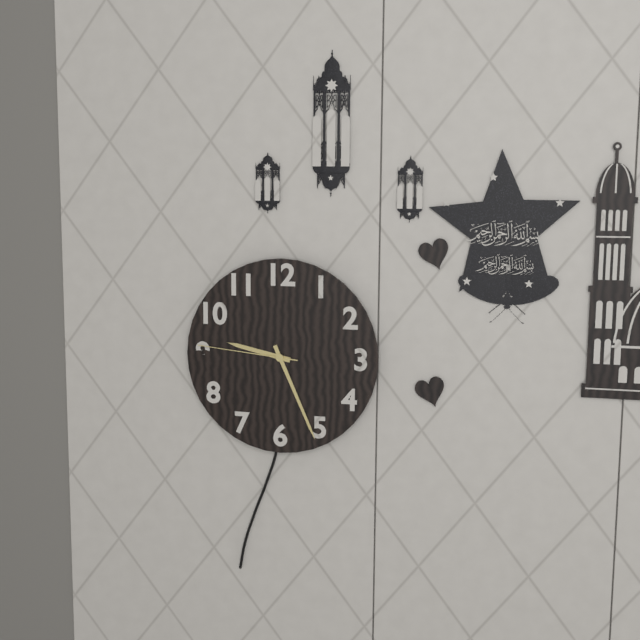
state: 9:26:46
